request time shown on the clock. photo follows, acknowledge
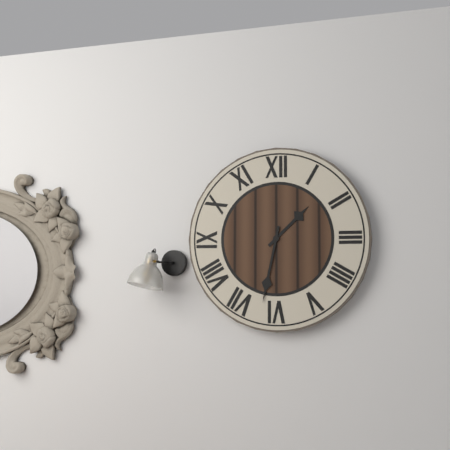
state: 1:32
